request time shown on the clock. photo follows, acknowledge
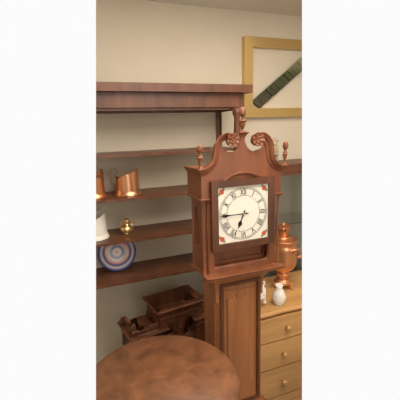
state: 6:45
